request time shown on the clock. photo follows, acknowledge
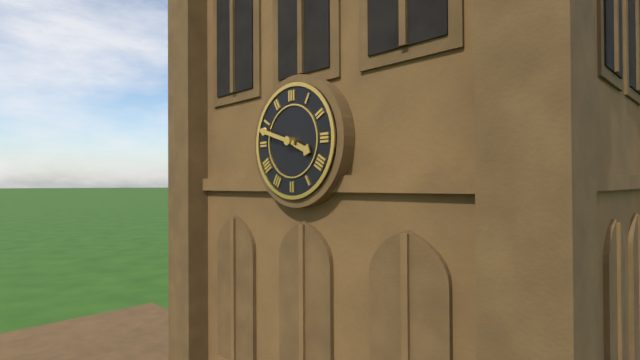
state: 3:48
